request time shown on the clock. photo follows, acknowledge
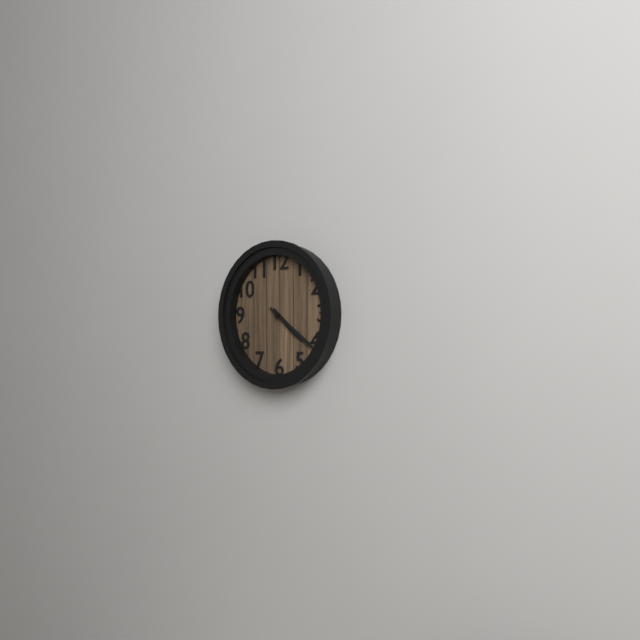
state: 4:21
